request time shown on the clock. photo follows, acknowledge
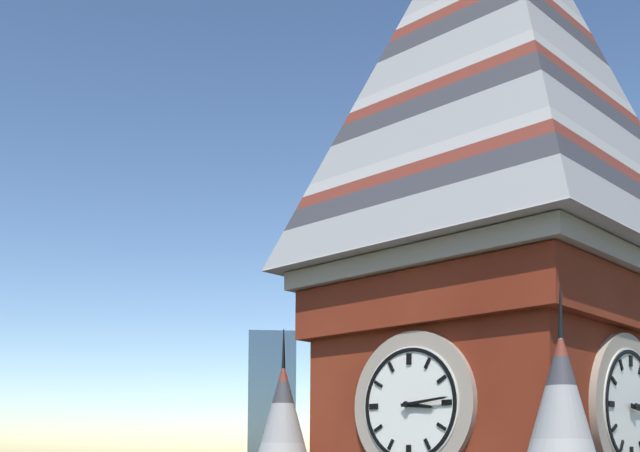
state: 3:14
